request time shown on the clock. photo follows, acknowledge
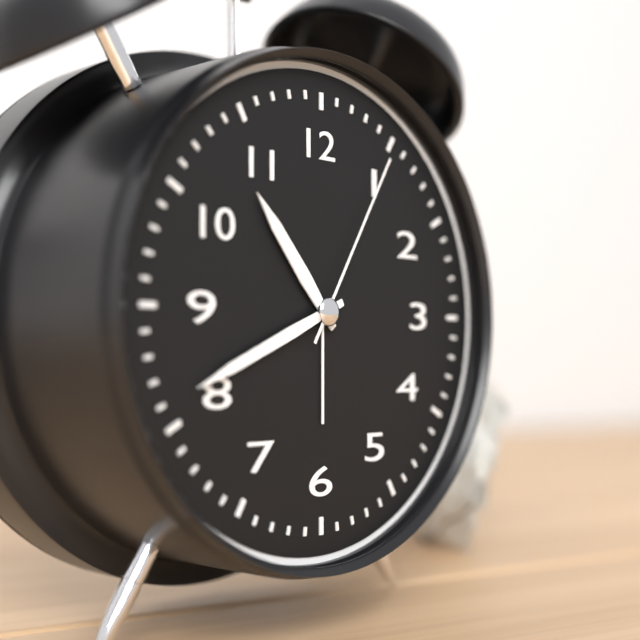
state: 10:41:05
